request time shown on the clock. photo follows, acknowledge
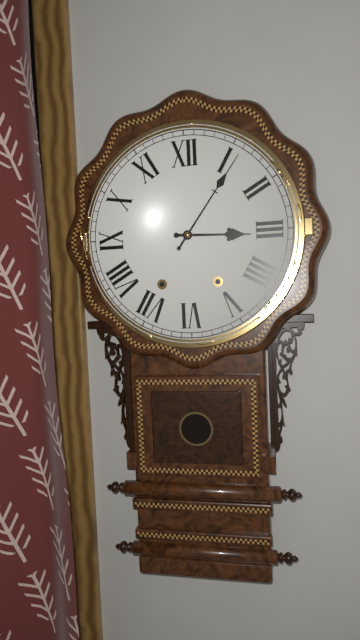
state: 3:06
